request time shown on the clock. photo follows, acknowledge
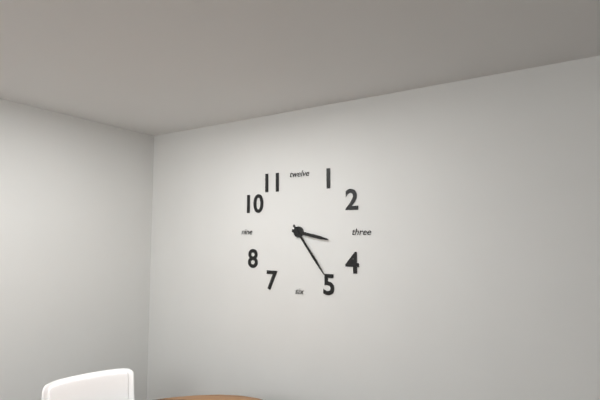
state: 3:24
